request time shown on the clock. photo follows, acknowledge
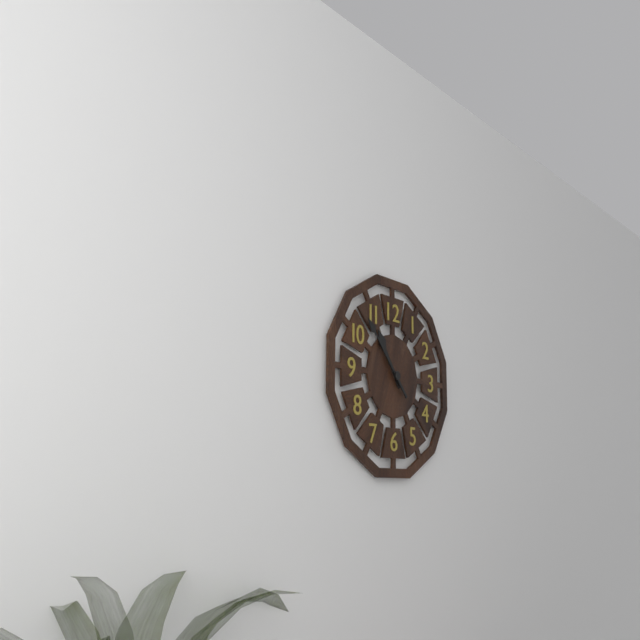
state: 10:53
